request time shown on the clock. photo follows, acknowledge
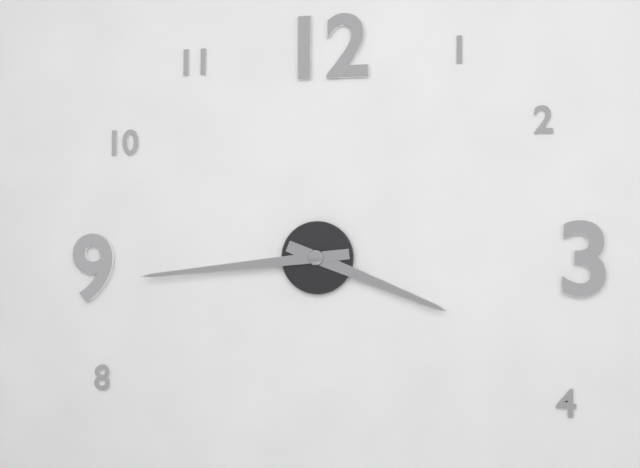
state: 3:44
